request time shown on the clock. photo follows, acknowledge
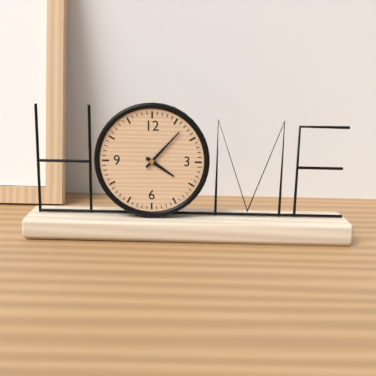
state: 4:07
